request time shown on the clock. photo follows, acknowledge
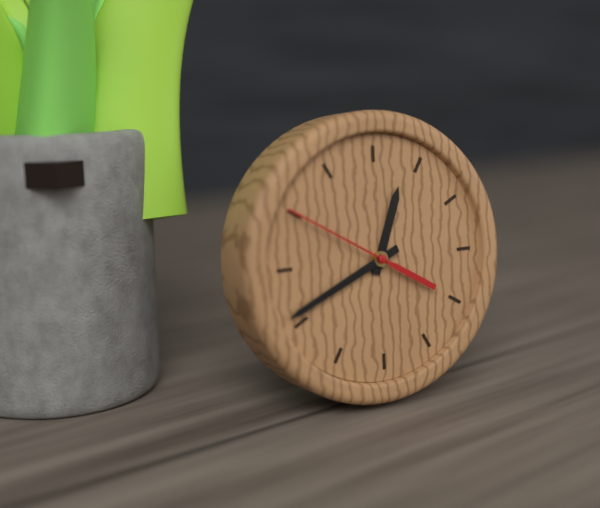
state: 12:41:50
